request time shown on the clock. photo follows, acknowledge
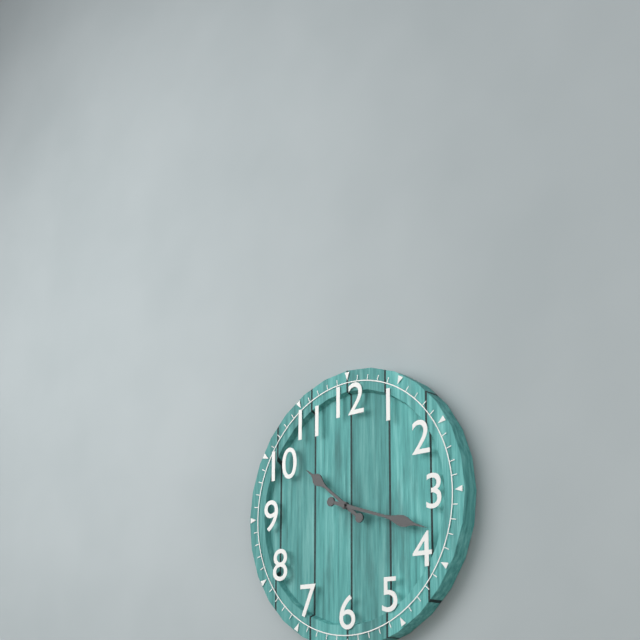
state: 10:18
